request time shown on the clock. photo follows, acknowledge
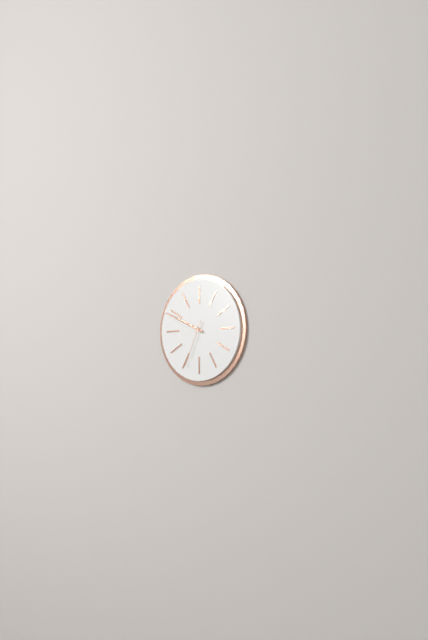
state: 9:49:34
